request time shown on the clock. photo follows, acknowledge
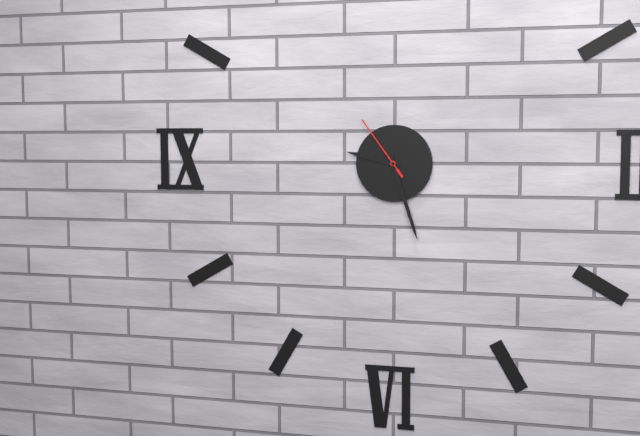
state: 9:27:54
